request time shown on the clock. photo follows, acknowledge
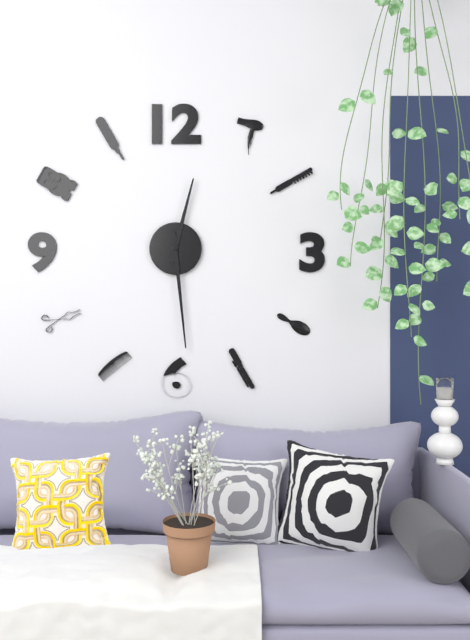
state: 12:29
